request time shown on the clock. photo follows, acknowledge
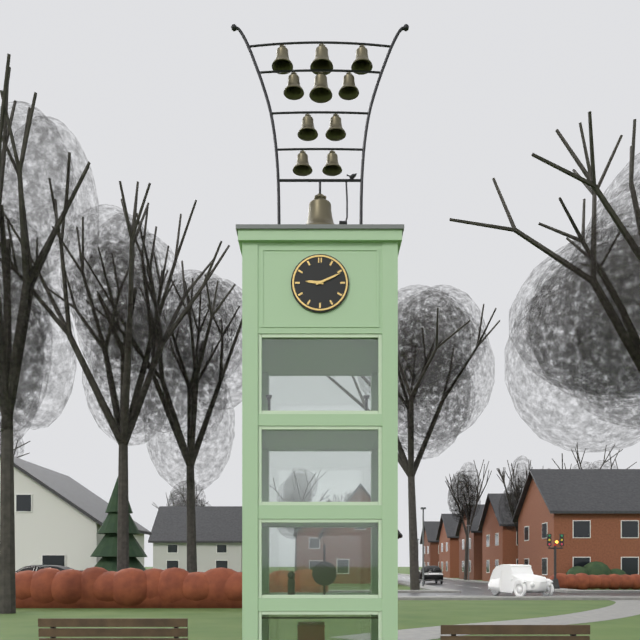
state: 9:11
